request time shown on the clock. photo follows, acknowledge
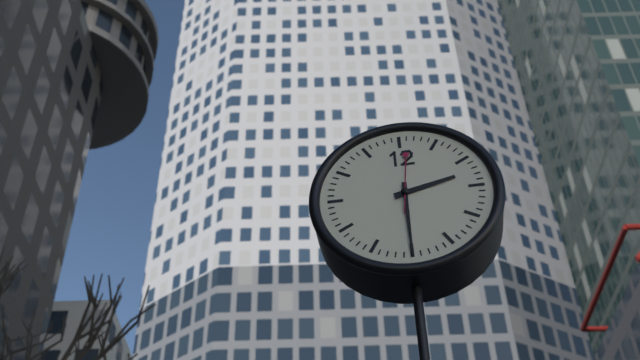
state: 2:30:01
